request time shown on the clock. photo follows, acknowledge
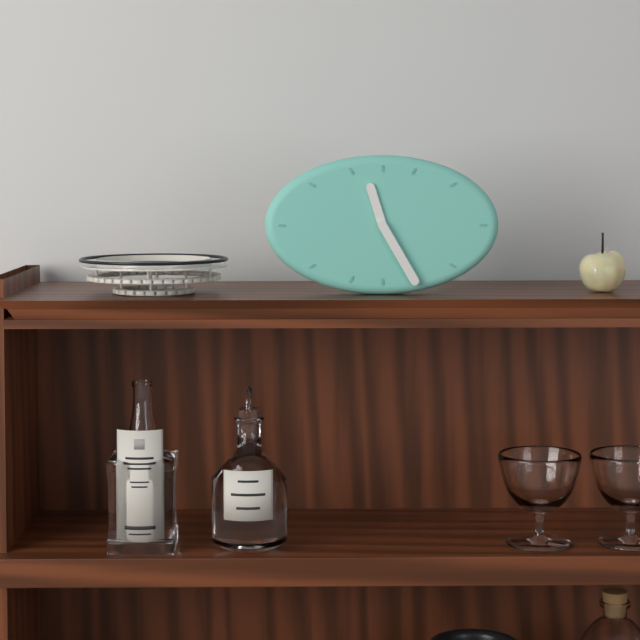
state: 11:25
